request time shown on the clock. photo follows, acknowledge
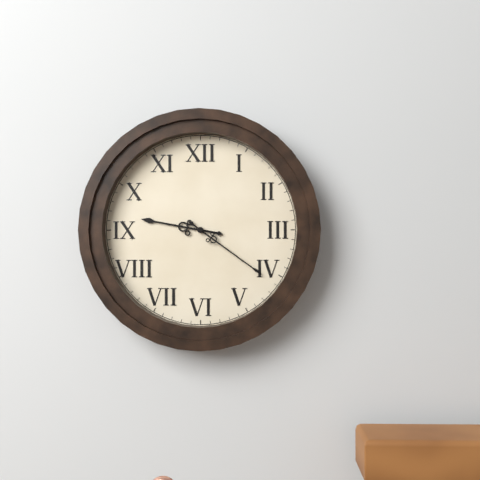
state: 9:21
